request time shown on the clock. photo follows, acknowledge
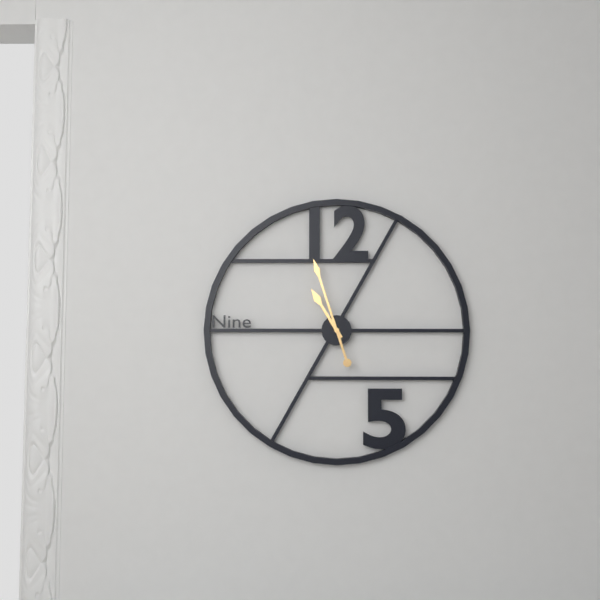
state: 10:57
